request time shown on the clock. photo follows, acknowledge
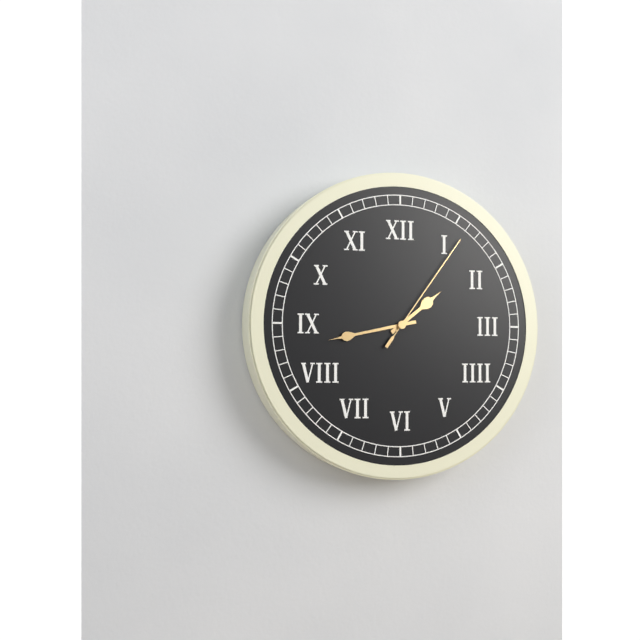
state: 1:43:06
